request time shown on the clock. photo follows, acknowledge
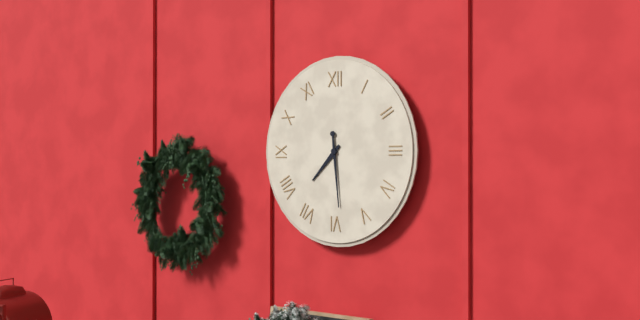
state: 7:29
